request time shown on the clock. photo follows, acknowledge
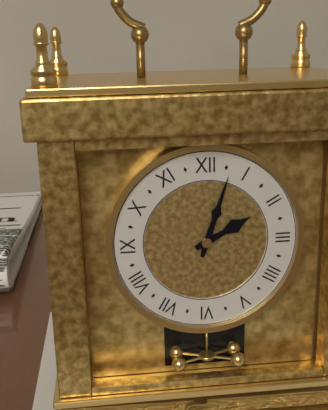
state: 2:03
